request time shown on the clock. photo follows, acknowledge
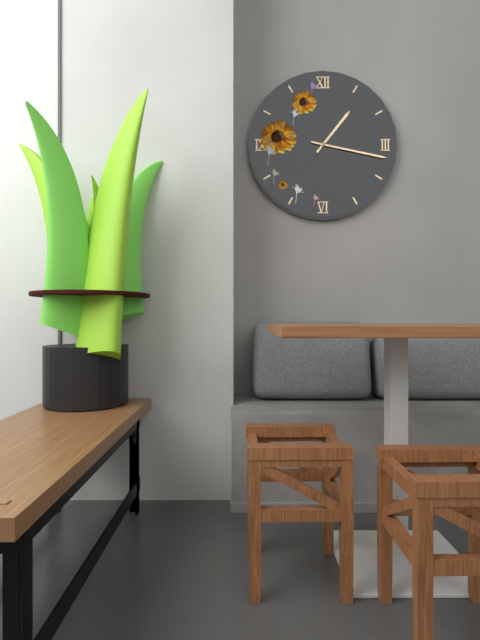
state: 1:17
